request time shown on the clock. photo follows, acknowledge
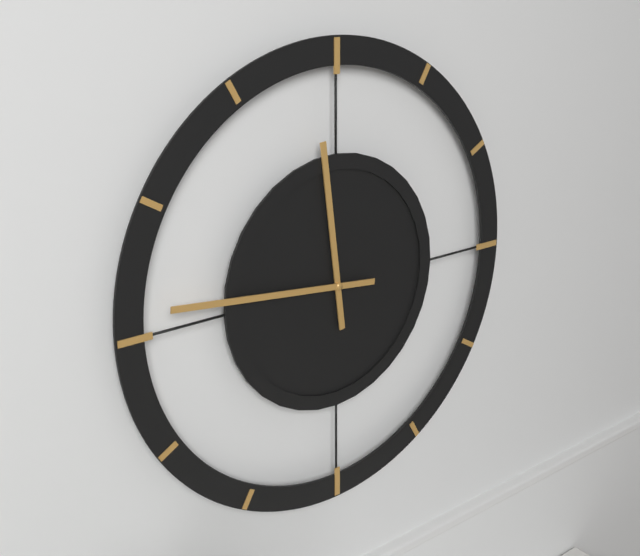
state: 11:46
